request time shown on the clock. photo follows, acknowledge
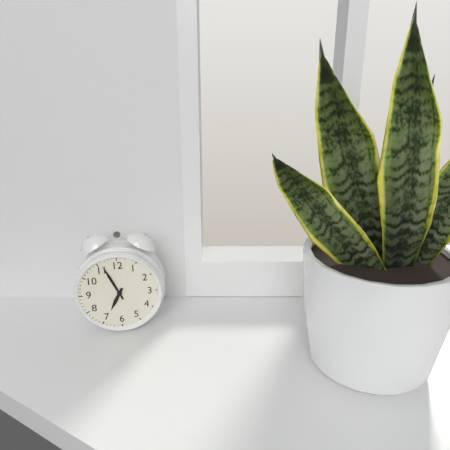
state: 6:56
